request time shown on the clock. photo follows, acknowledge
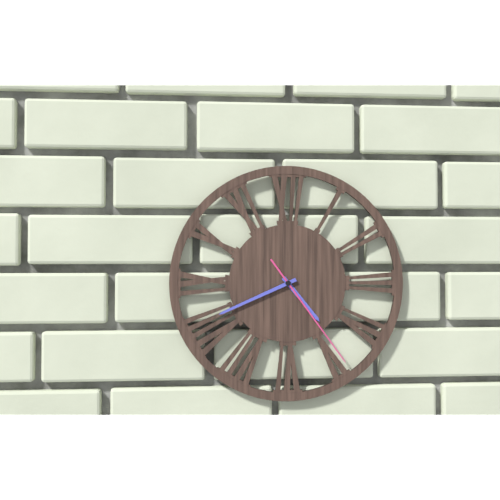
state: 4:41:24
